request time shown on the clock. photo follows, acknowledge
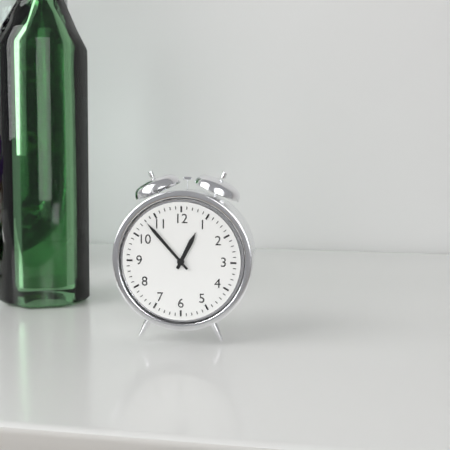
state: 12:53
